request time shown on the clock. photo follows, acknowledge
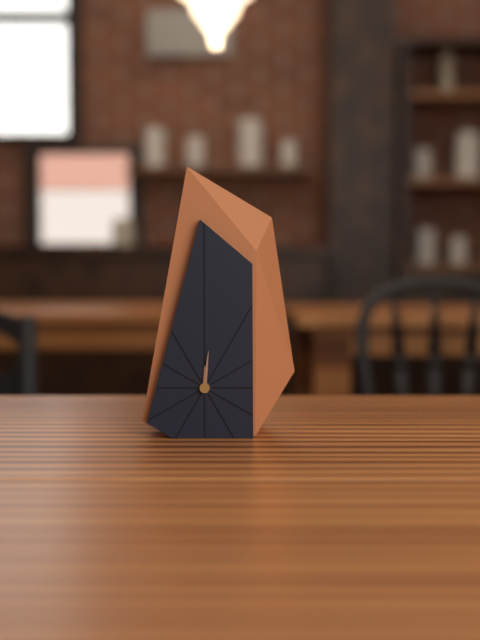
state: 12:01
